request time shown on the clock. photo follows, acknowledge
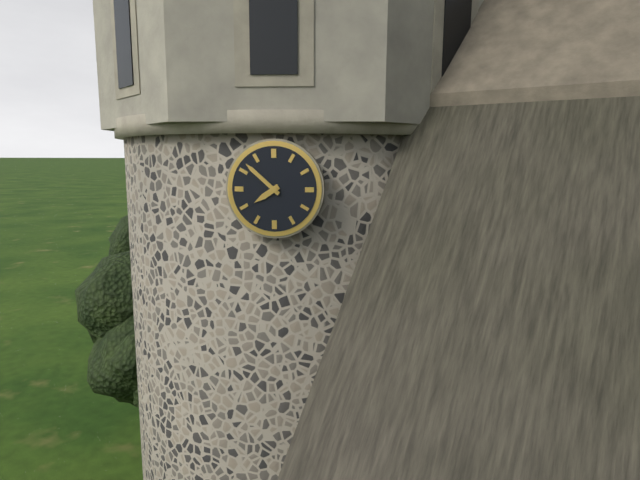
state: 7:52
